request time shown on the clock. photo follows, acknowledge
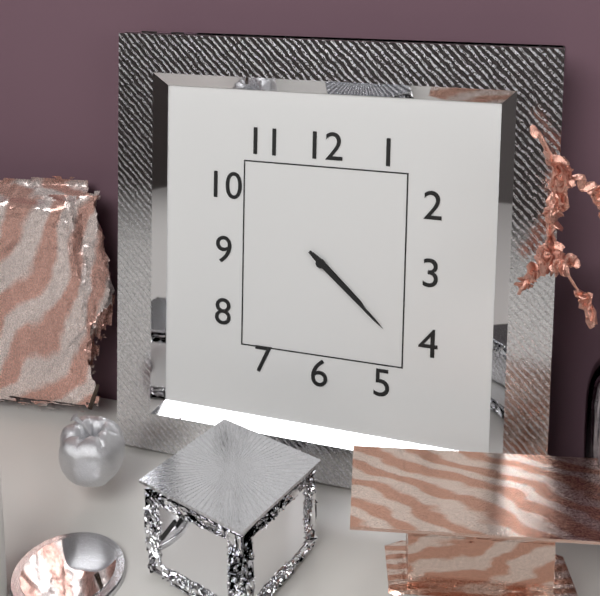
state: 4:22
